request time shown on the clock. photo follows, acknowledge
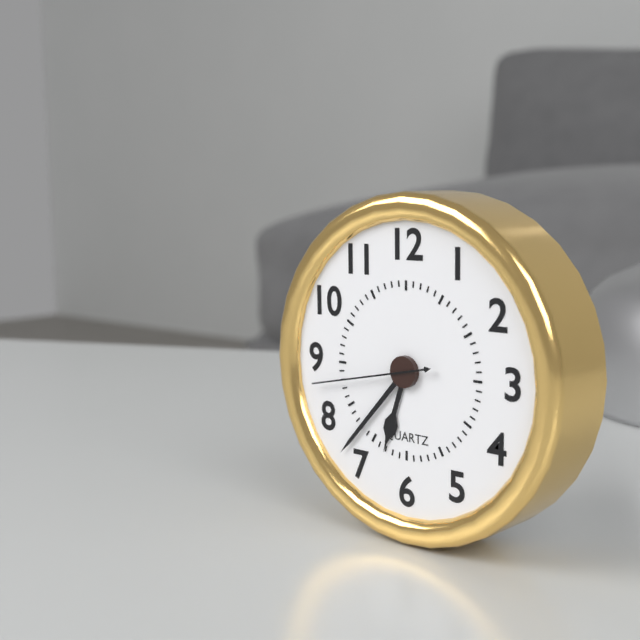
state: 6:37:43
